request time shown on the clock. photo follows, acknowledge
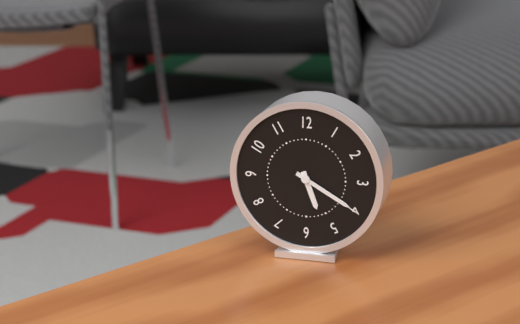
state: 5:20
